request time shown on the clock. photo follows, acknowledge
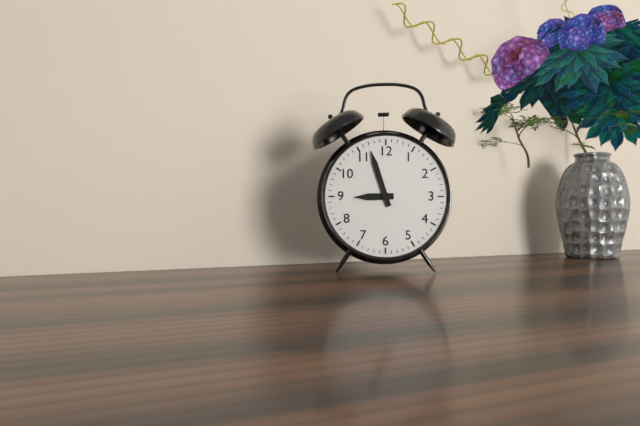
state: 8:57
